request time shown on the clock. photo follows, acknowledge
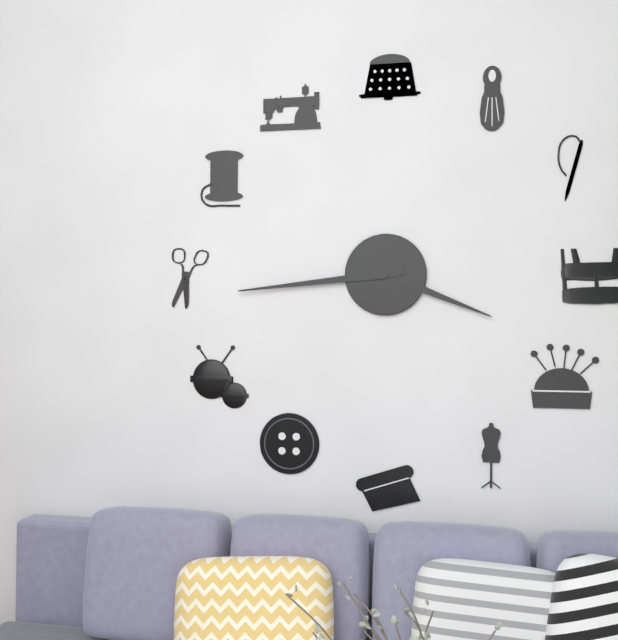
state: 3:44
